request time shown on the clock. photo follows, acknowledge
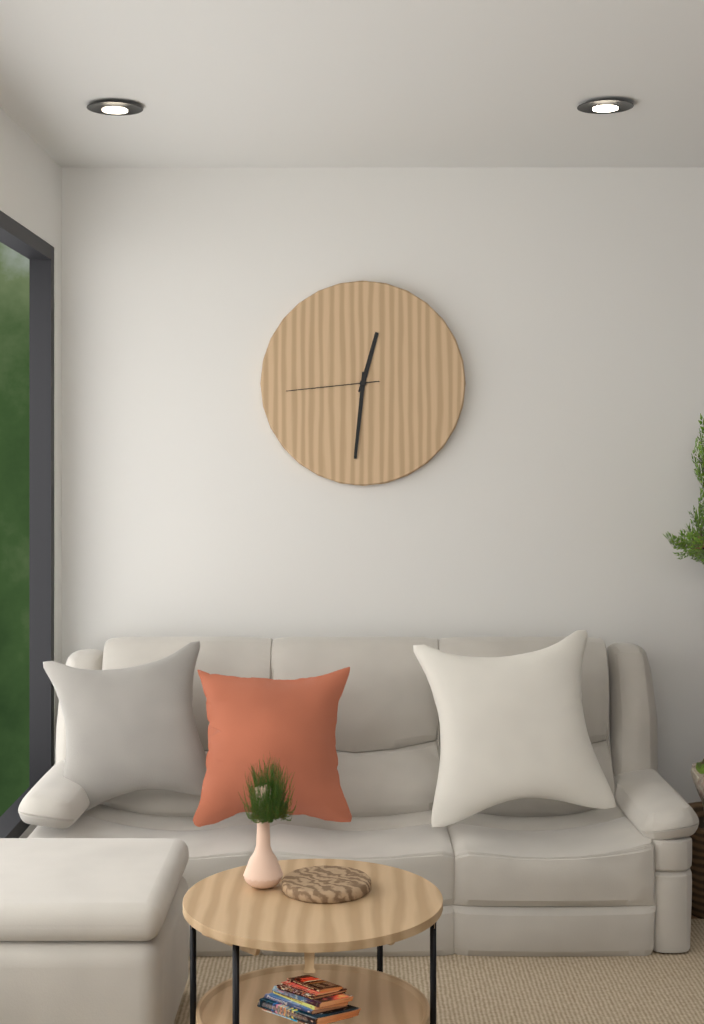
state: 12:31:44
